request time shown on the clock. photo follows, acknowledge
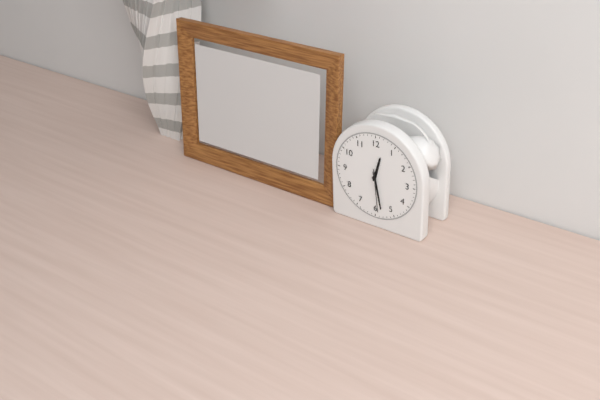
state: 12:28
